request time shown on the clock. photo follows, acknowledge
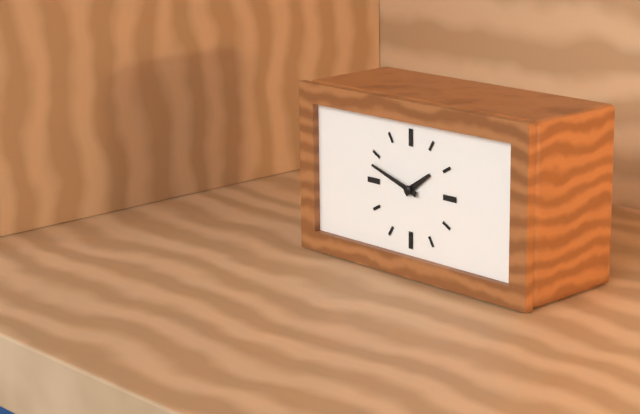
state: 1:48
